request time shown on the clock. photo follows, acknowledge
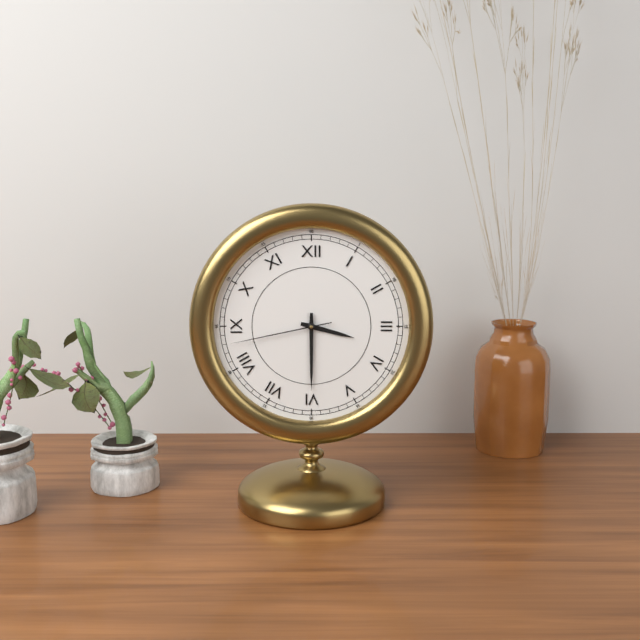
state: 3:30:43
